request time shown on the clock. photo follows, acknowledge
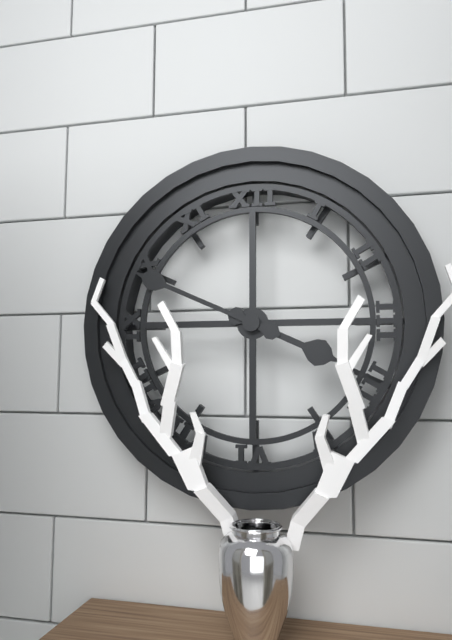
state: 3:49
